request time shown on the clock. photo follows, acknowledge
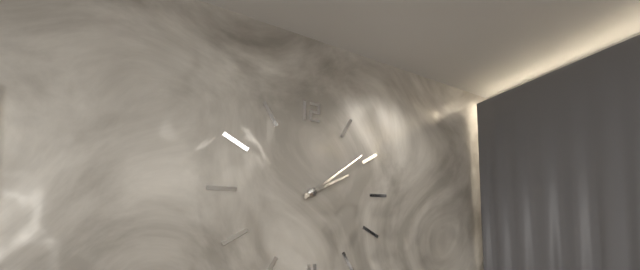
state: 2:09
